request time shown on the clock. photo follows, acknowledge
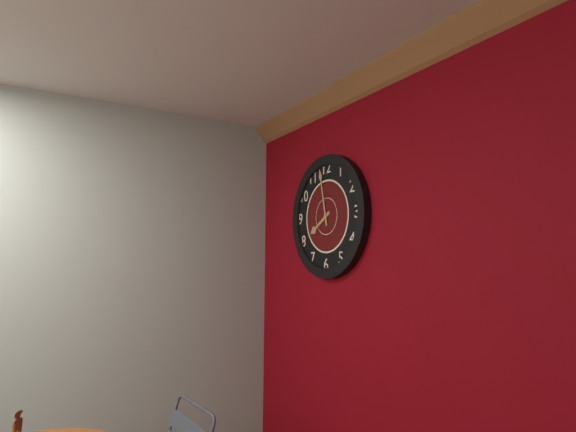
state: 7:58
